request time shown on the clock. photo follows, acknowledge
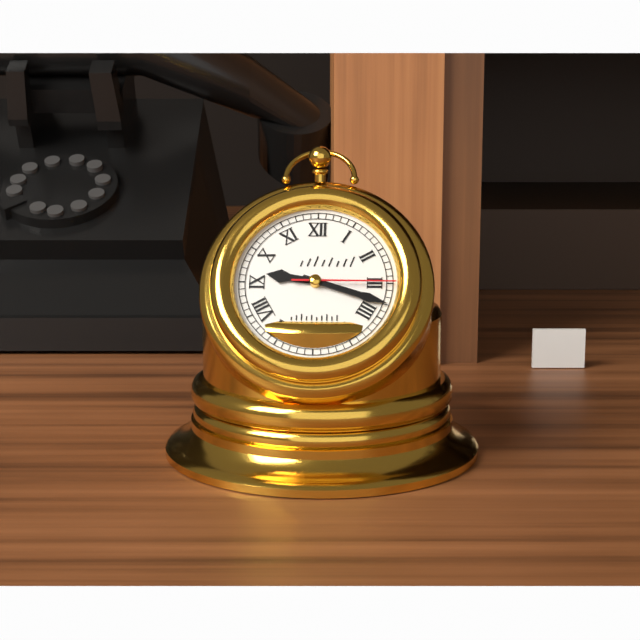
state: 9:18:15
